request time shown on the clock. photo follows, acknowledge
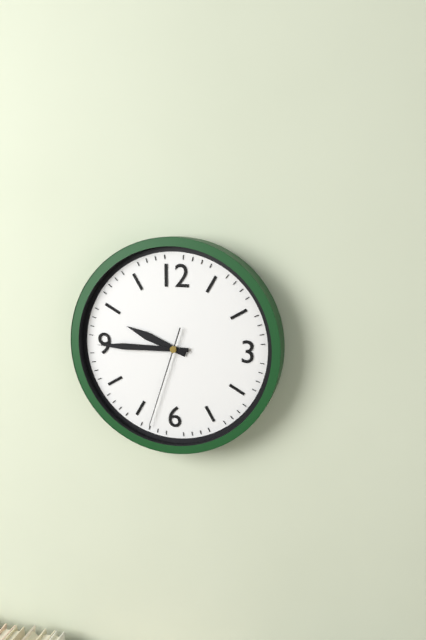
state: 9:45:33
